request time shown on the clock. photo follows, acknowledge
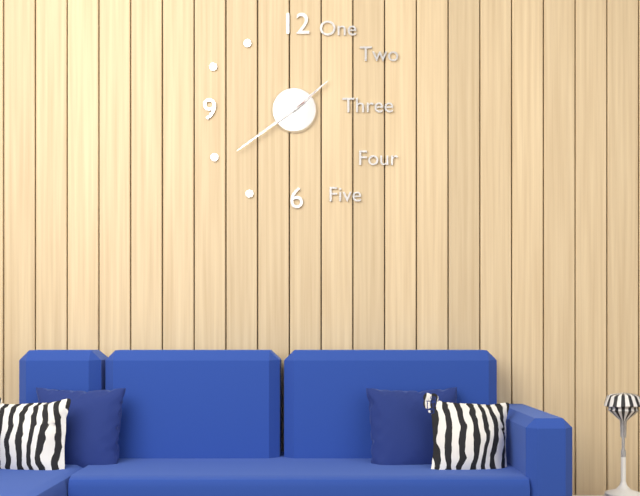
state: 1:39
